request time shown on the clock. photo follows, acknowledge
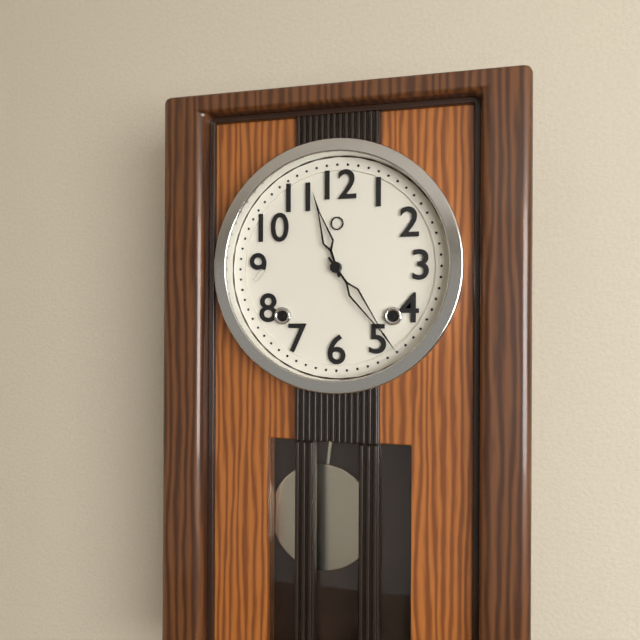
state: 11:24
